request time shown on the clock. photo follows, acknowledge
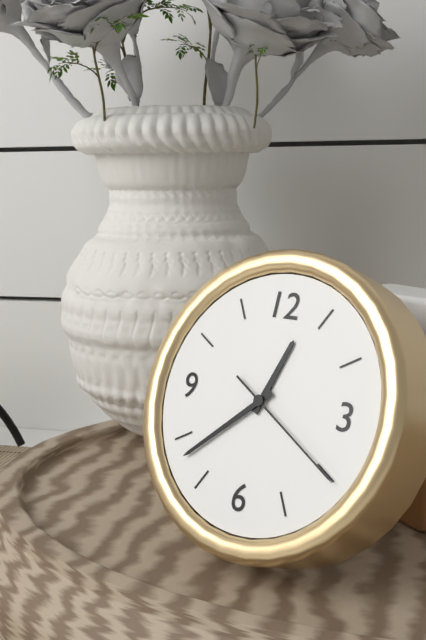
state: 12:38:20
